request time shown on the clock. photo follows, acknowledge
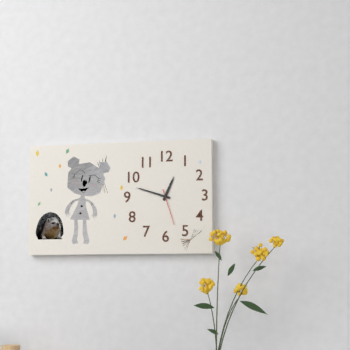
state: 12:48
